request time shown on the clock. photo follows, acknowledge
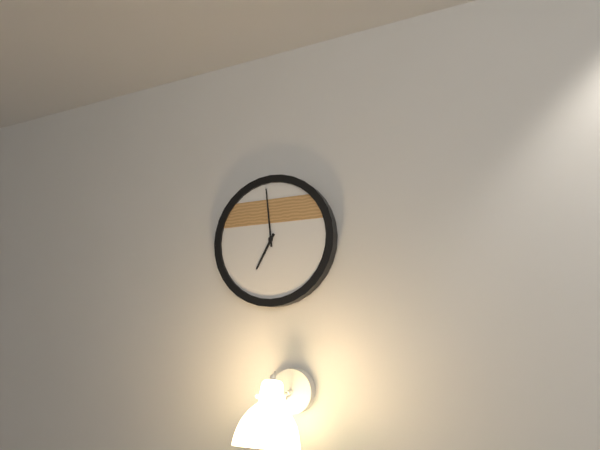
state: 6:59
